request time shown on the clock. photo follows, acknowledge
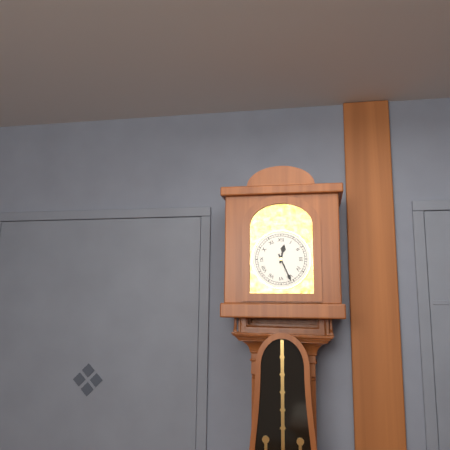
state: 12:26
